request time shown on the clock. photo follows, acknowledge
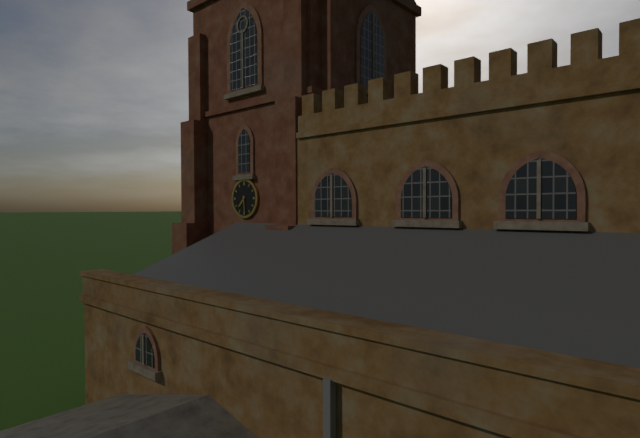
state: 7:29
